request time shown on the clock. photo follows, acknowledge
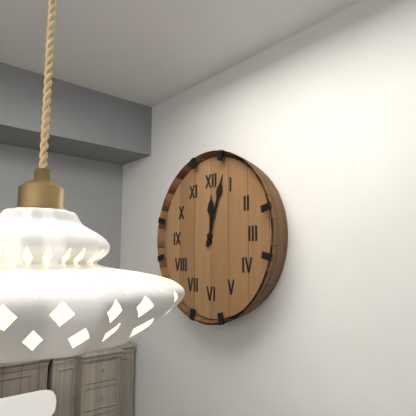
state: 12:03
